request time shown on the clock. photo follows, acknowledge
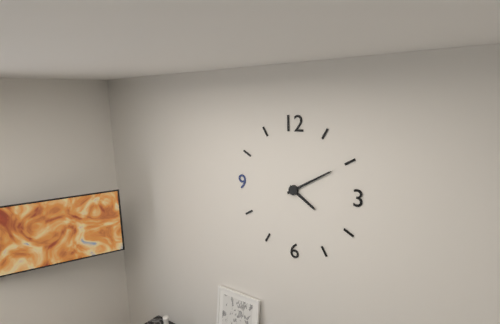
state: 4:10
